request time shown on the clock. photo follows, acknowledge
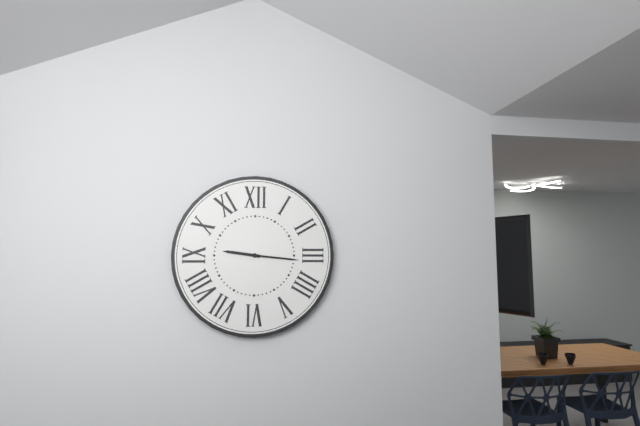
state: 9:16
